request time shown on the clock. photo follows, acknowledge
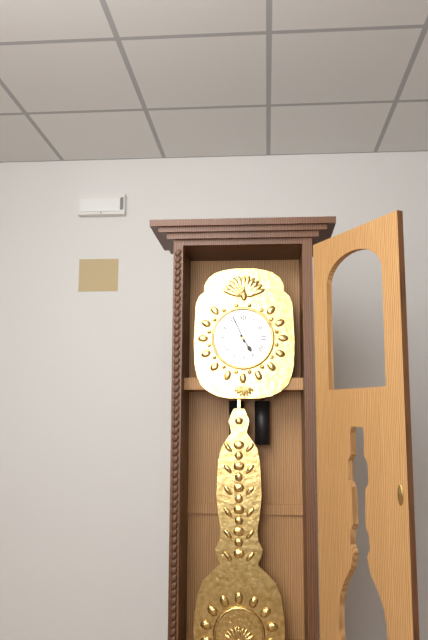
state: 4:56
